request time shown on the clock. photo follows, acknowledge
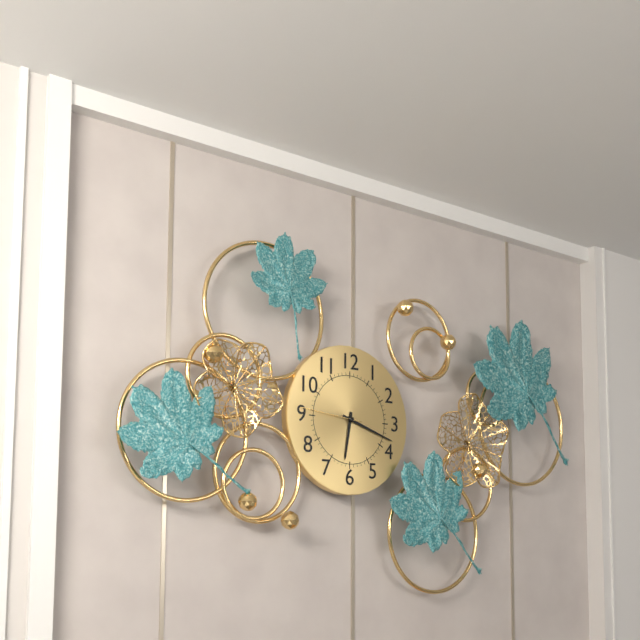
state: 6:18:46
